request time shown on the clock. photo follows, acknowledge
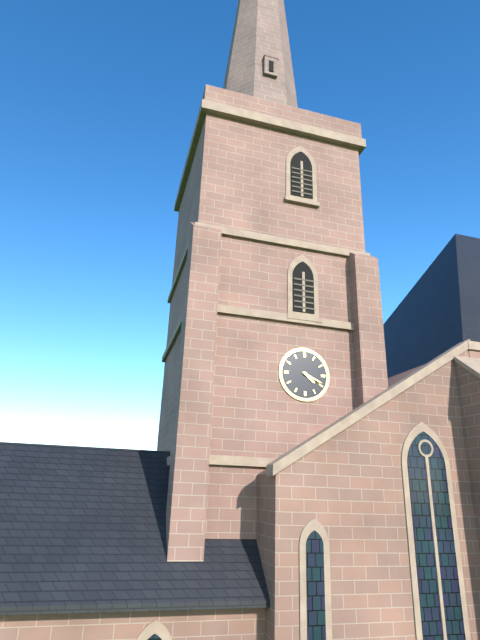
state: 4:19
